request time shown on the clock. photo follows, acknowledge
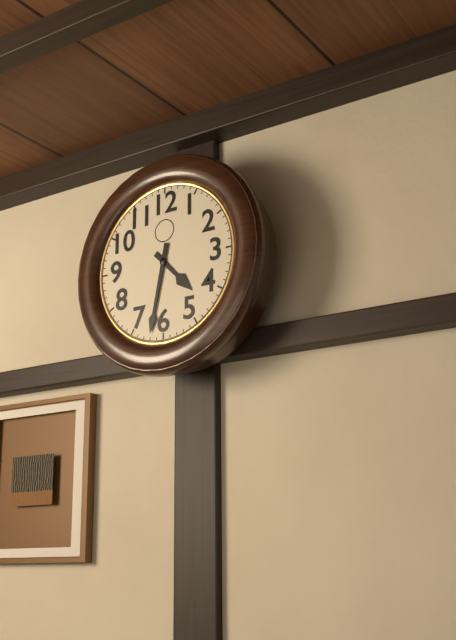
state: 4:32
